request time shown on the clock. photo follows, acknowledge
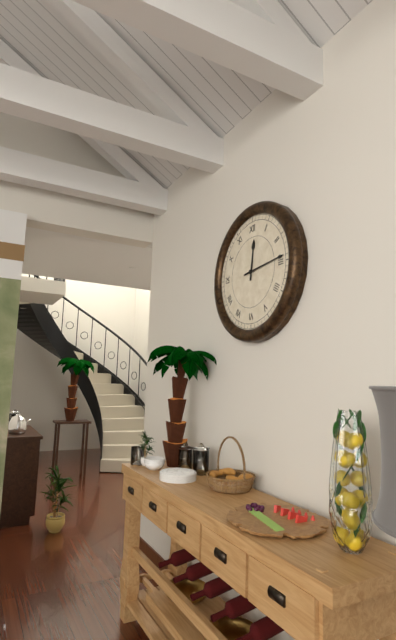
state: 12:14
